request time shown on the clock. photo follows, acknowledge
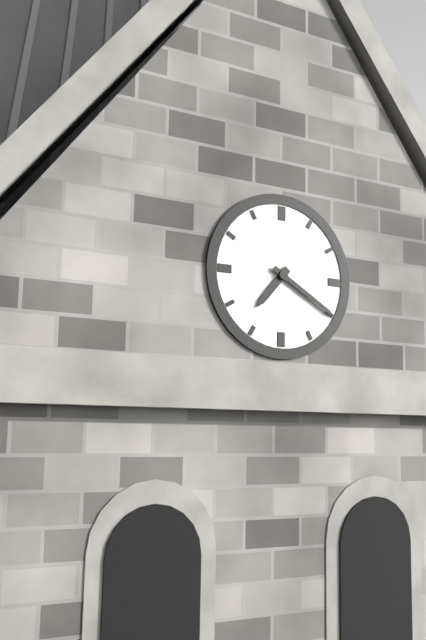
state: 7:20
